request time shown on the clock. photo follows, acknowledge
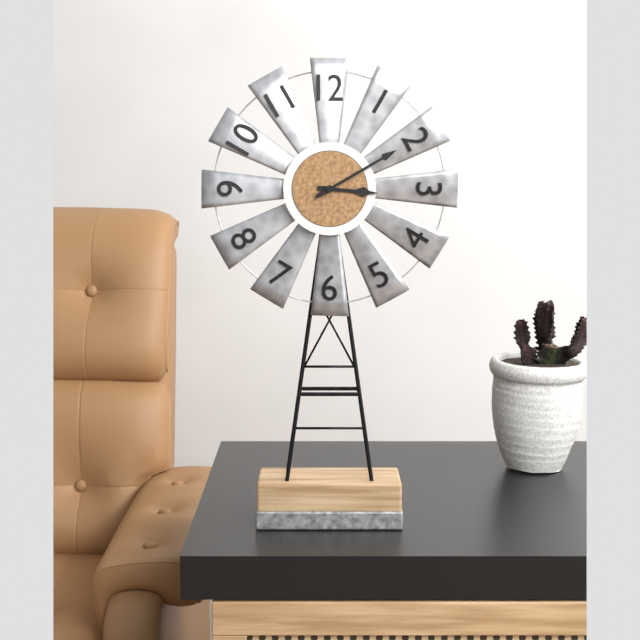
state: 3:10
